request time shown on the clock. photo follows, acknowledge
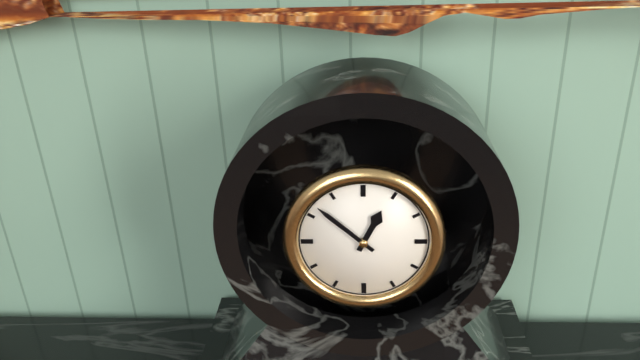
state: 12:52
